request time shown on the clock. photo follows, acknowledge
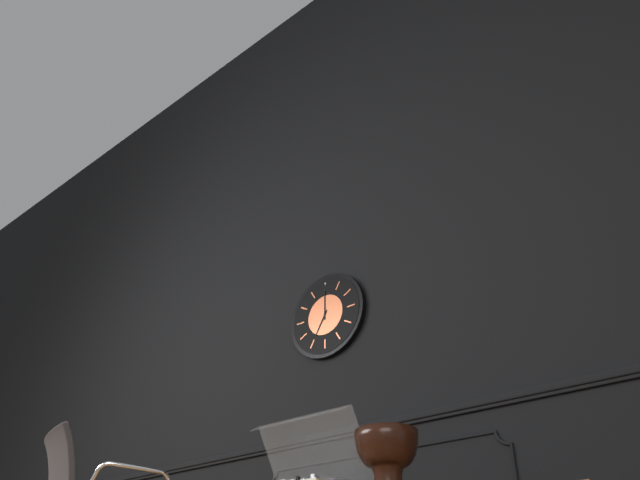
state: 7:00
